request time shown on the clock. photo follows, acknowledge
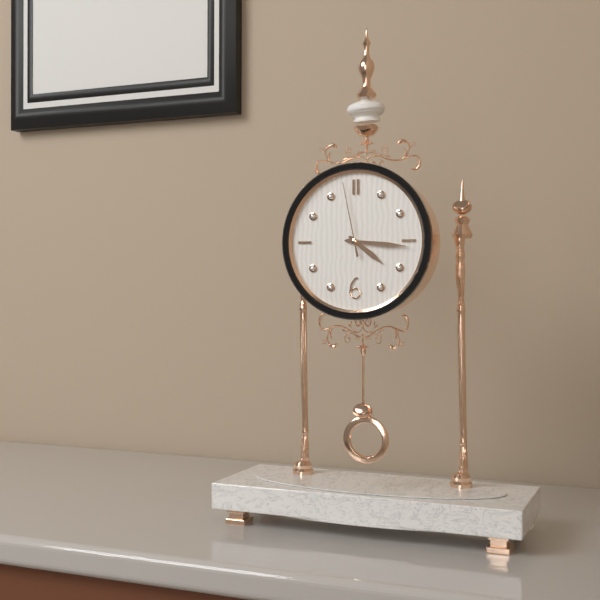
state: 4:16:58
